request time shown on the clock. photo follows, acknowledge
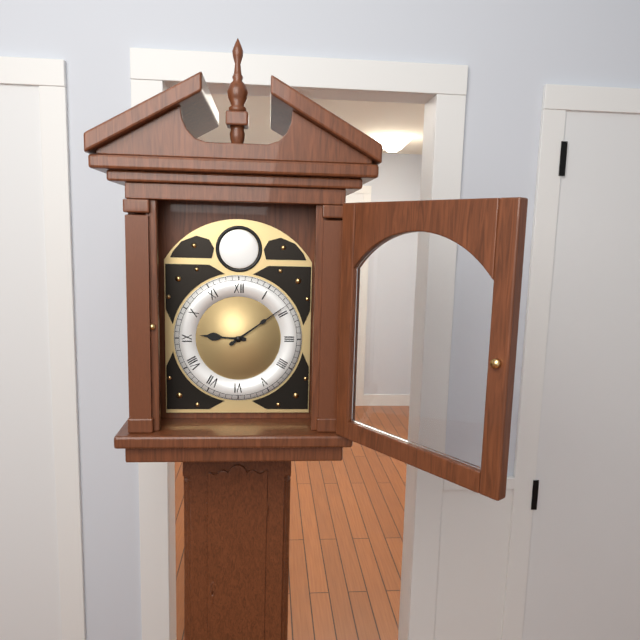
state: 9:09
